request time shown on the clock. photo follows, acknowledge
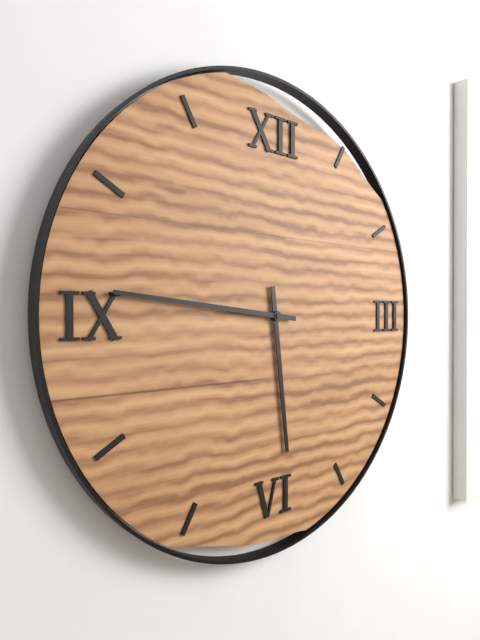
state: 5:46
